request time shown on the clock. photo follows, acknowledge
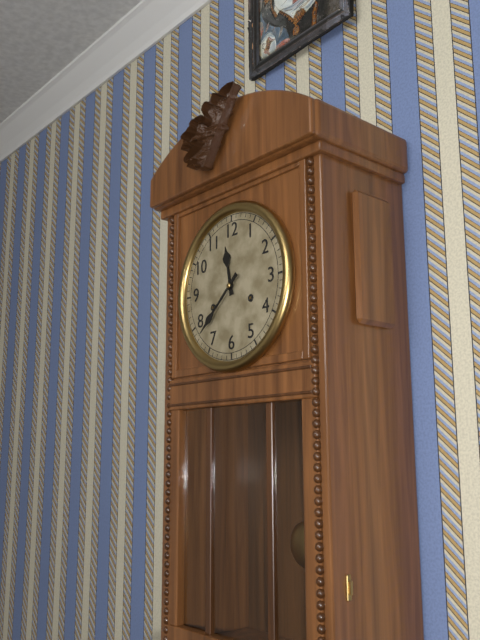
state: 11:38
